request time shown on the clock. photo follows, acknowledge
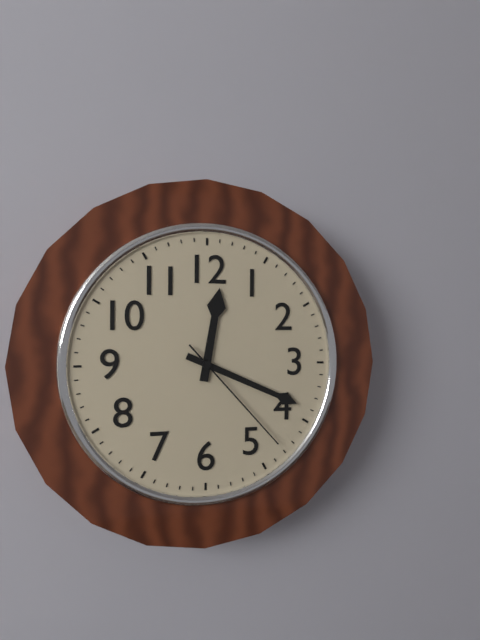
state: 12:19:23
